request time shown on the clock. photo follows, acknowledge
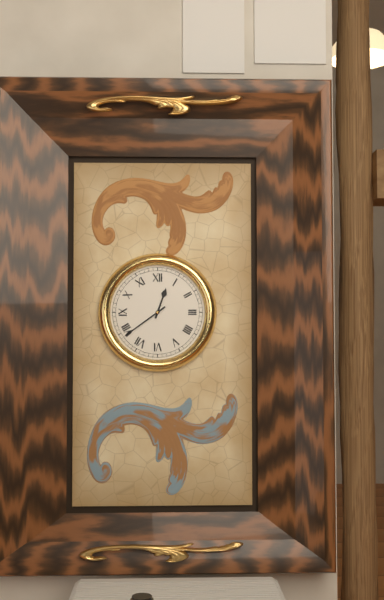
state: 12:39
